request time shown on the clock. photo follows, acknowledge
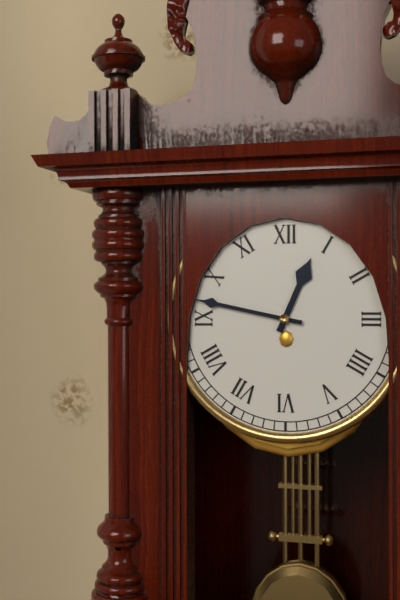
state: 12:47
